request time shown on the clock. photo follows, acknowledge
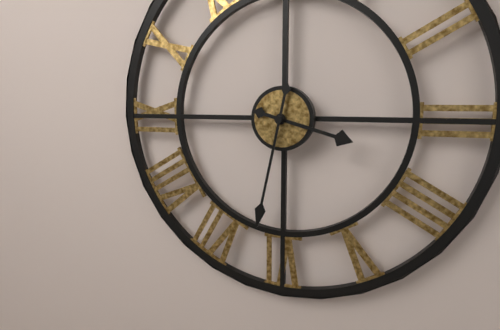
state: 3:32
